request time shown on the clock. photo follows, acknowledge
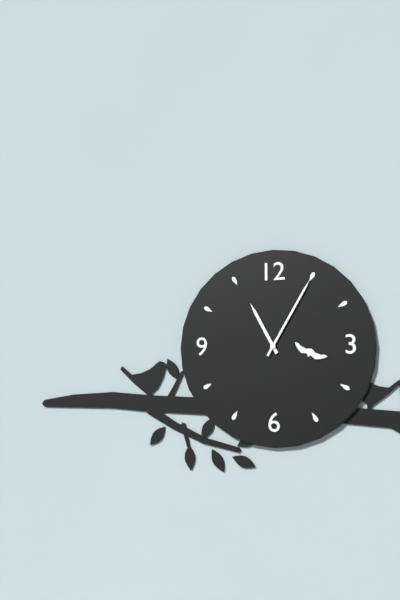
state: 11:05
